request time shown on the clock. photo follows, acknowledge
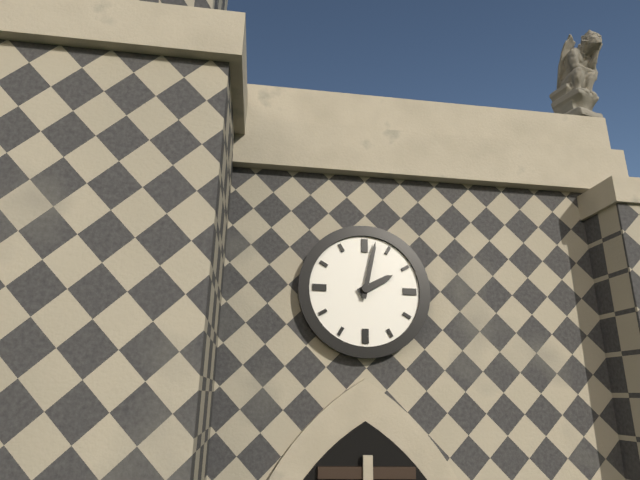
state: 2:02
